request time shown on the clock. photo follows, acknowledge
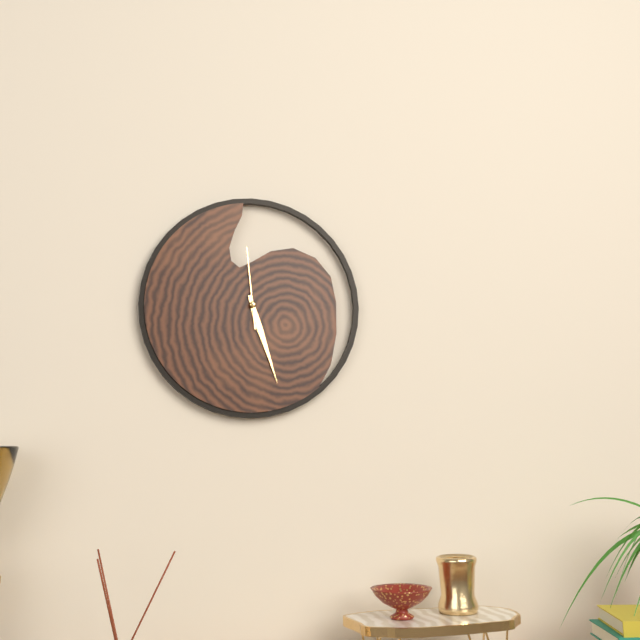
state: 5:27:59
